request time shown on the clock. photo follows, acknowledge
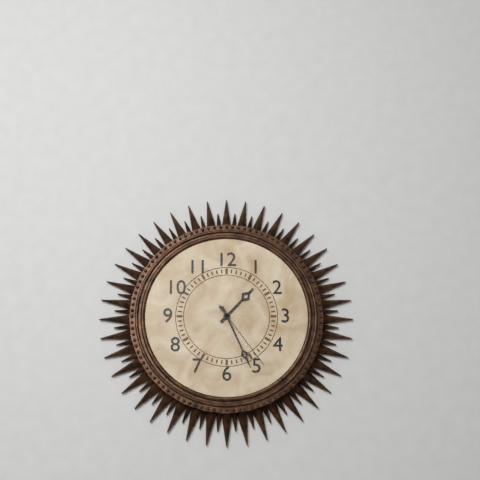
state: 1:26:24
